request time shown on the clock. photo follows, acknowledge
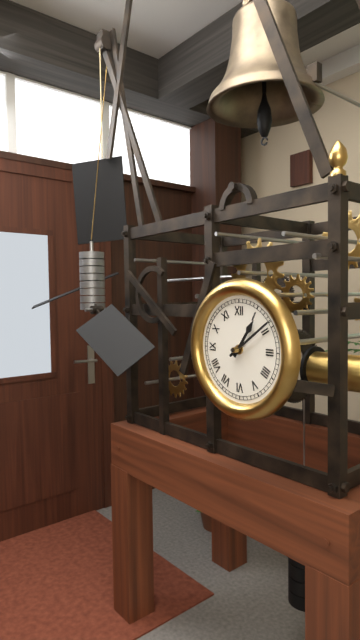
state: 1:09
